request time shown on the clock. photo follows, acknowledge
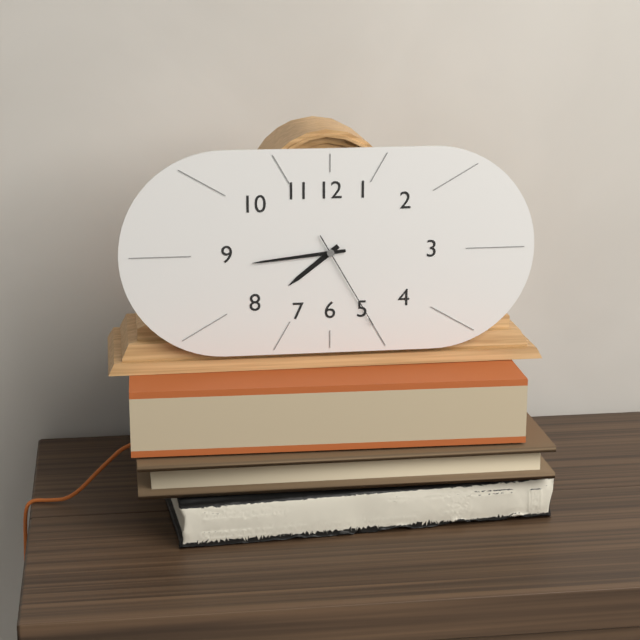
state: 7:44:25
